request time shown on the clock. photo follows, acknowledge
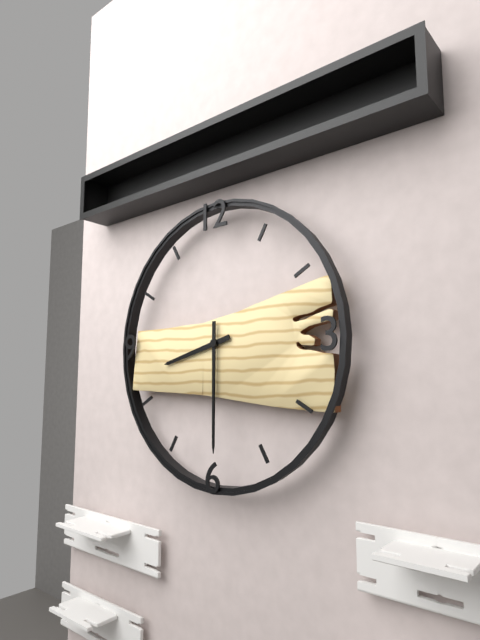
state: 8:30
